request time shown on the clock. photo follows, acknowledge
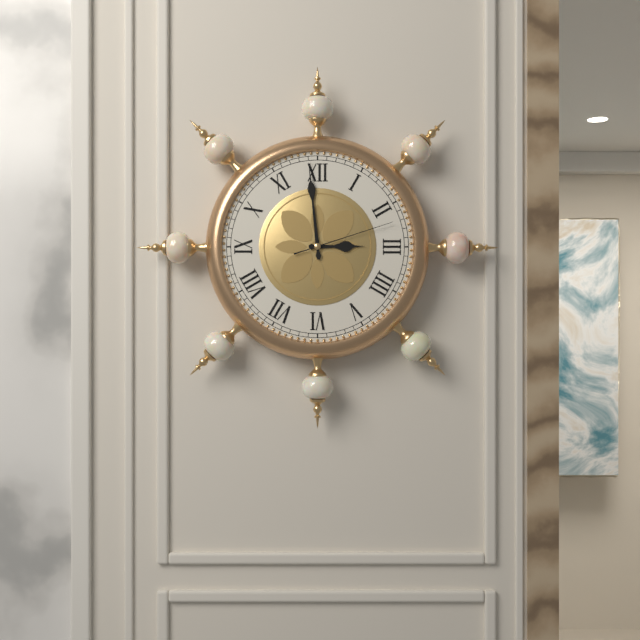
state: 2:59:12
